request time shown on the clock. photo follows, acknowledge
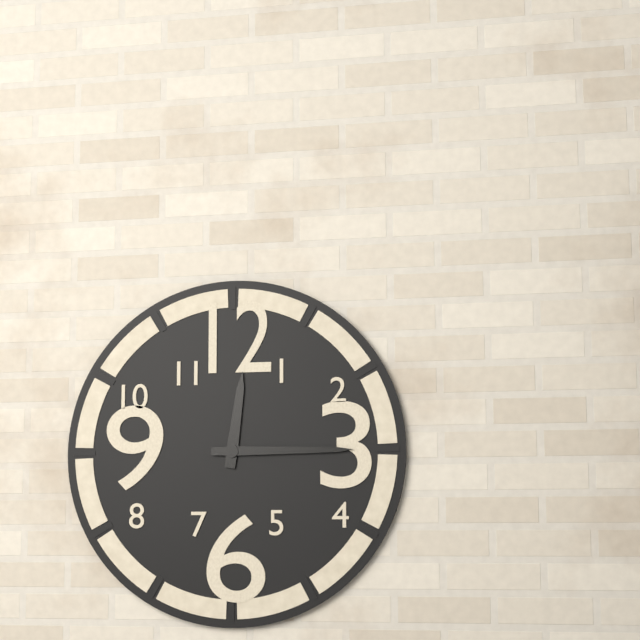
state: 12:15
